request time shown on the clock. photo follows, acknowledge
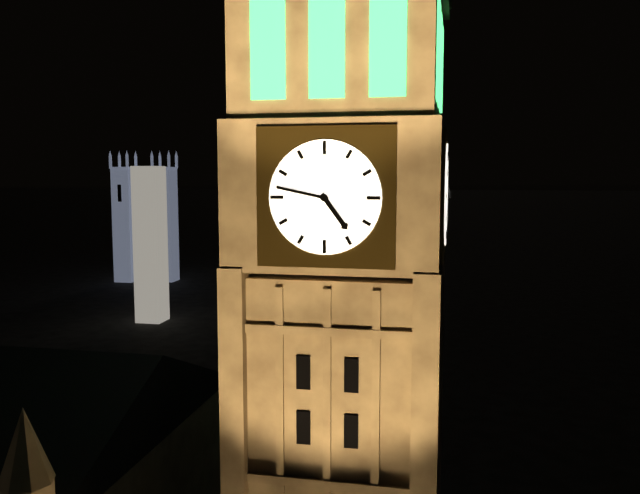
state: 4:47
